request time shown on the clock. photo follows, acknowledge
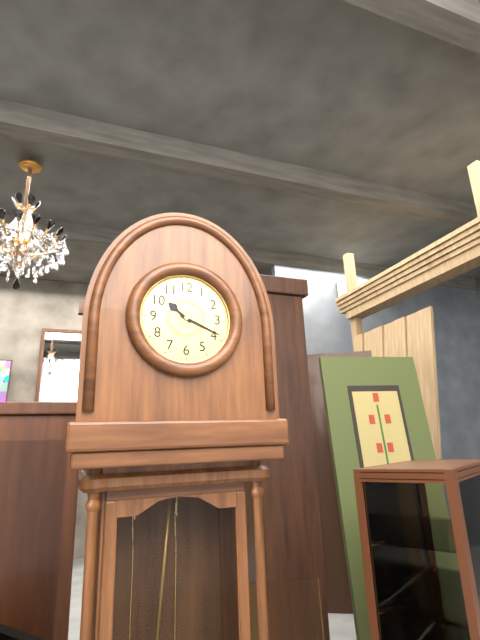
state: 10:19
